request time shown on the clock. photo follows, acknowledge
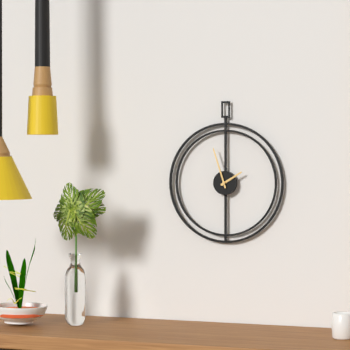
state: 1:57
